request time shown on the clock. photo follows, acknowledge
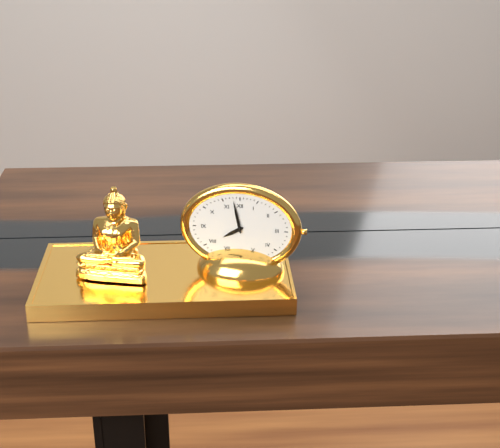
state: 7:58
